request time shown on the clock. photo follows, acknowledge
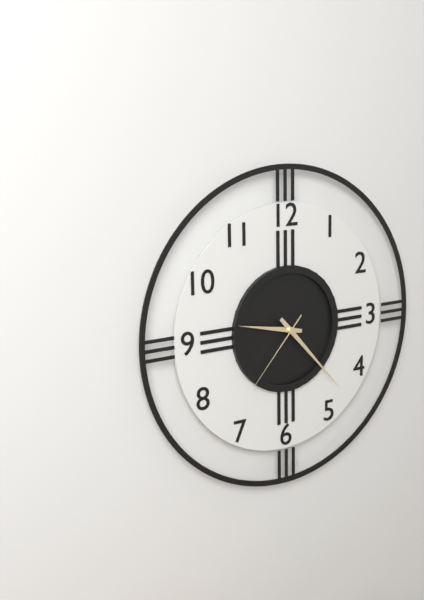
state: 9:23:37
